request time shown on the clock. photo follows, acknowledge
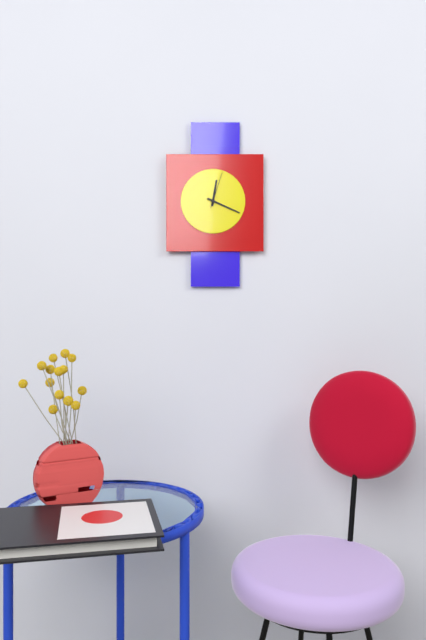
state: 12:19
